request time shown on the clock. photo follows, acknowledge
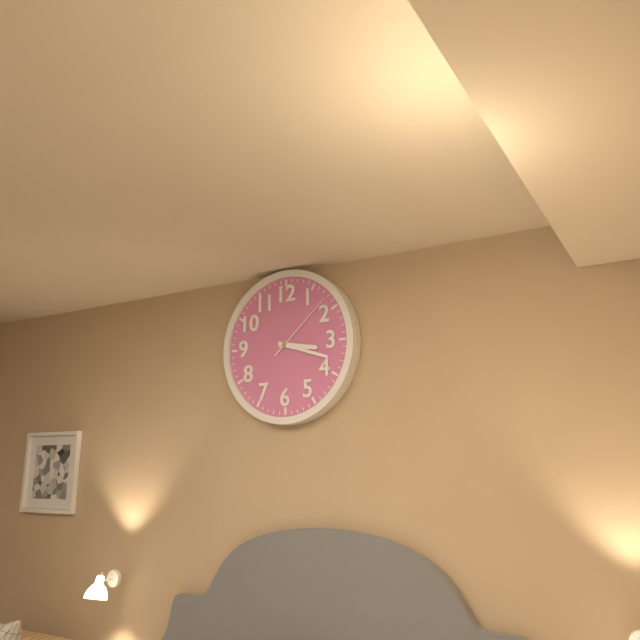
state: 3:18:08
